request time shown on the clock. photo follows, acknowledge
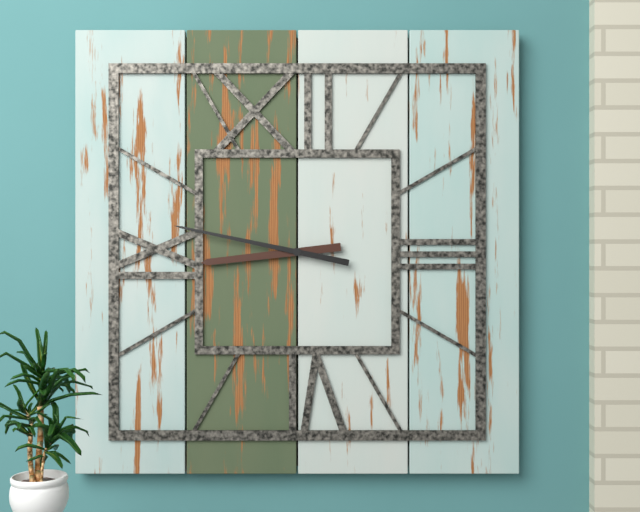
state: 8:47
